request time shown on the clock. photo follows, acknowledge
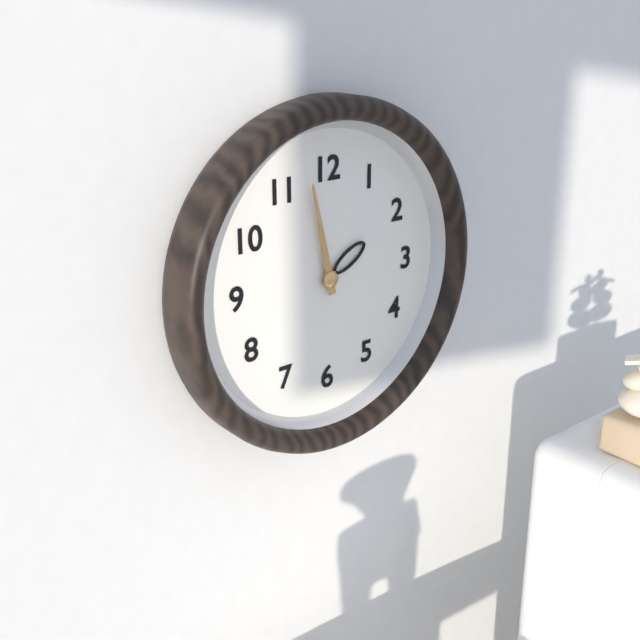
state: 1:58
